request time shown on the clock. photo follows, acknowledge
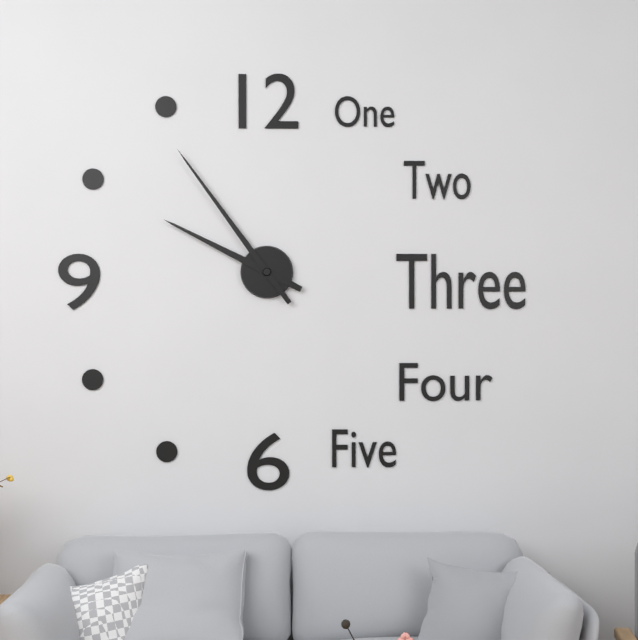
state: 9:54
